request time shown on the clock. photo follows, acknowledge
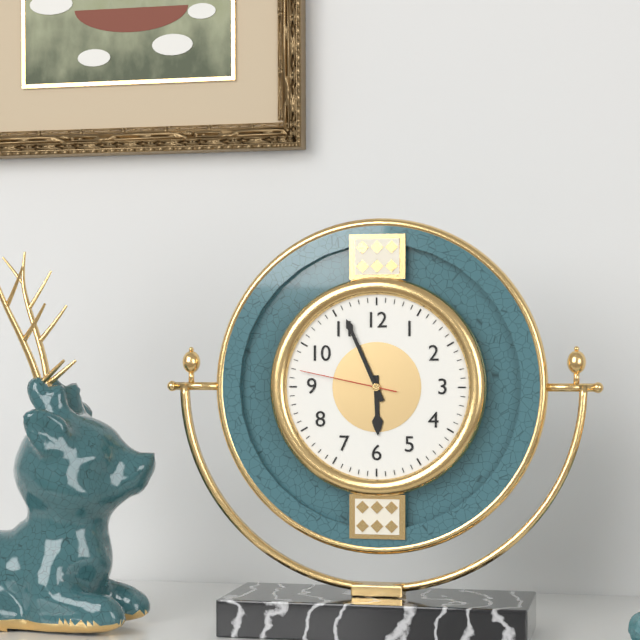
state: 5:56:47
